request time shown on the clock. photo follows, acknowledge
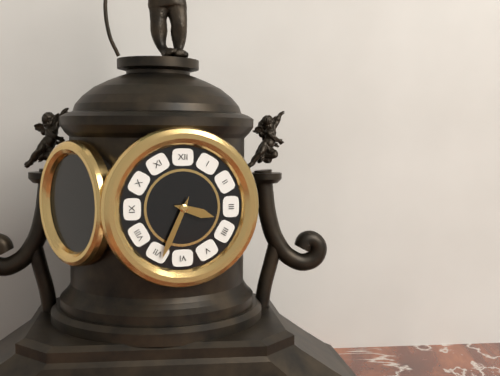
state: 3:34
